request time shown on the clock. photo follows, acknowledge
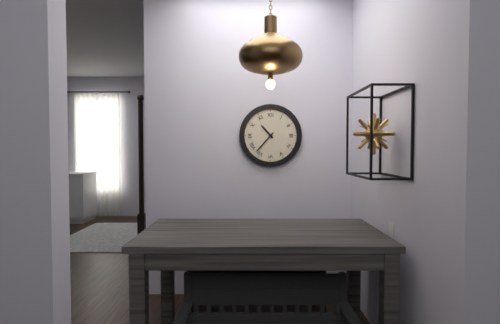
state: 10:37
